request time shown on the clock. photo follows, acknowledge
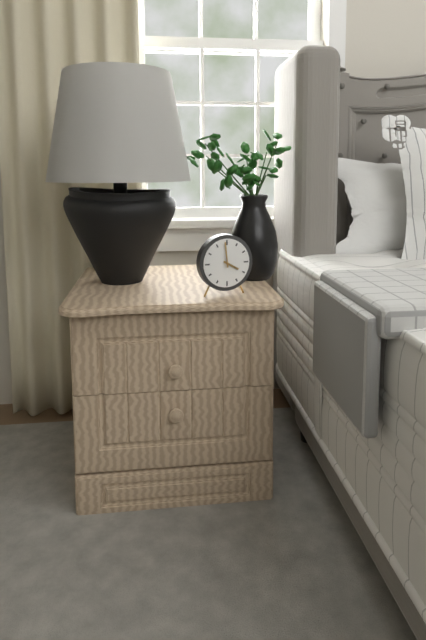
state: 3:59
